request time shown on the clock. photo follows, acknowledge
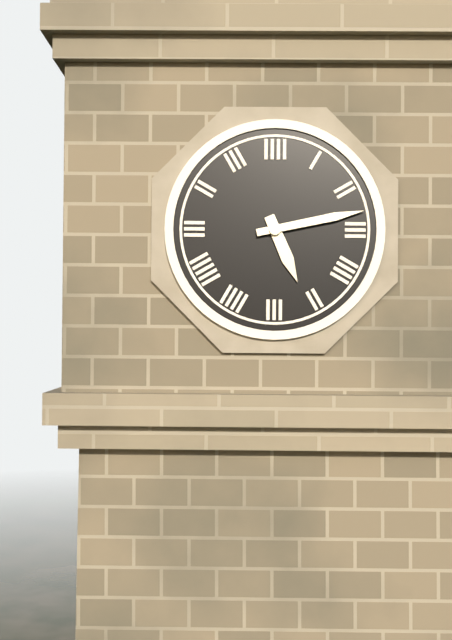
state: 5:13
